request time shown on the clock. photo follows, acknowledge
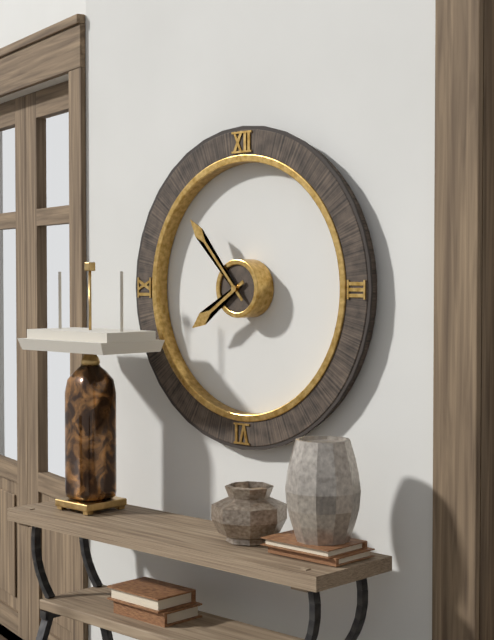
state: 7:53
